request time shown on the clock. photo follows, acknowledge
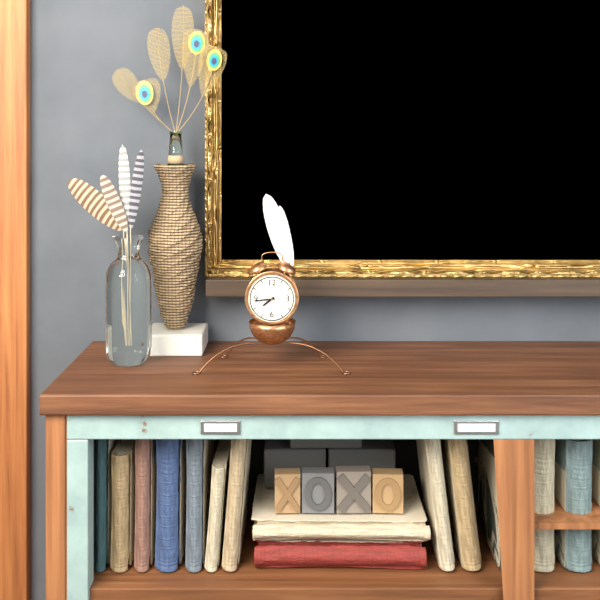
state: 7:44
